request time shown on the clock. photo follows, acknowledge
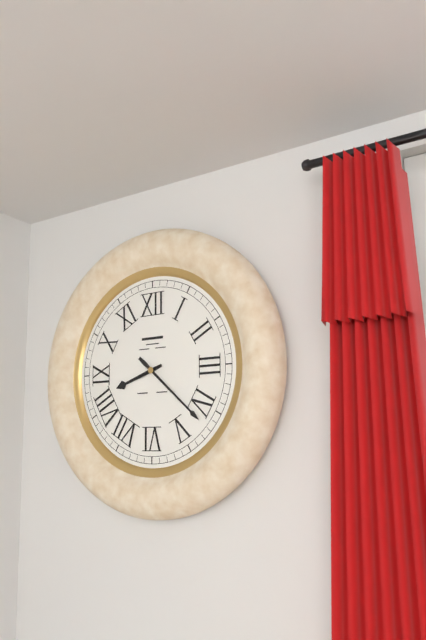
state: 8:22
